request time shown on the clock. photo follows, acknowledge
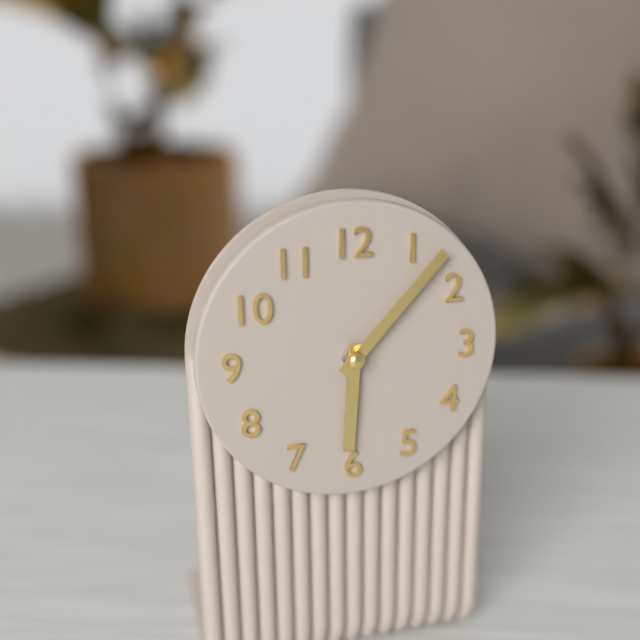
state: 6:07
